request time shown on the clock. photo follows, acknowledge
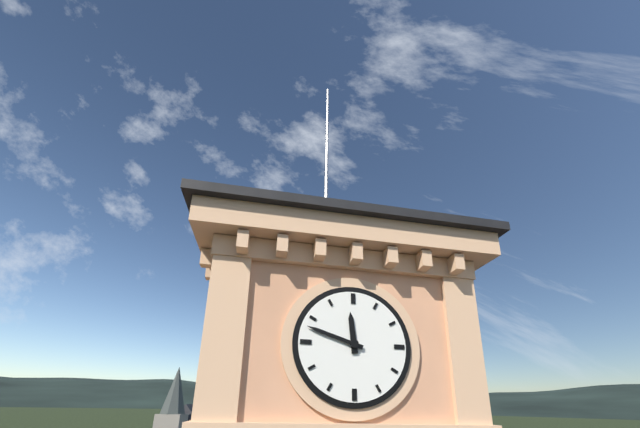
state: 11:48
